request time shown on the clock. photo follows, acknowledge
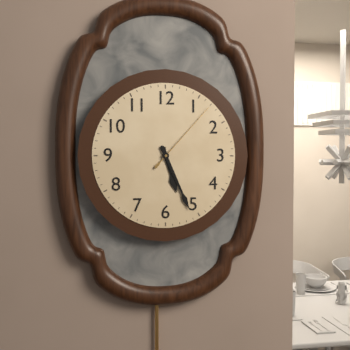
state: 5:26:07
